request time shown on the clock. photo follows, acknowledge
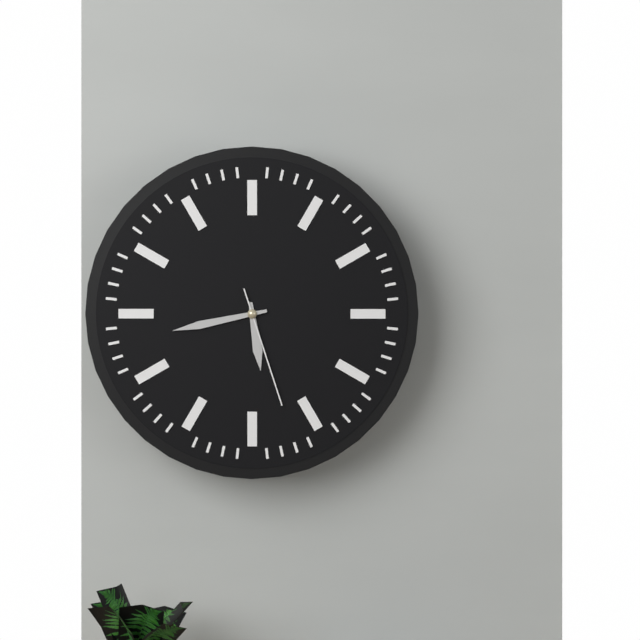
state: 5:43:27
